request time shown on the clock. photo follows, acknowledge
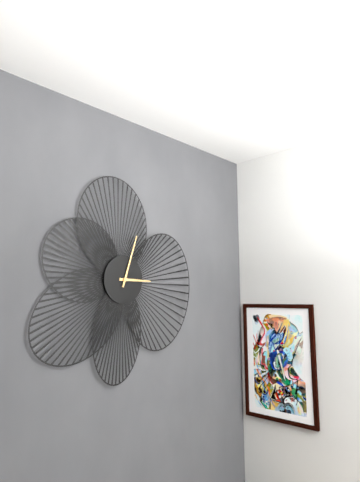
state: 3:03
